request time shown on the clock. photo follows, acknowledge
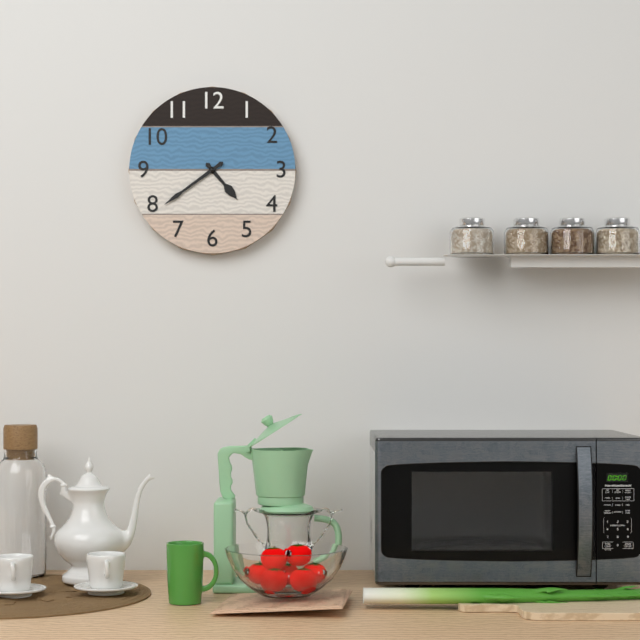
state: 4:39
